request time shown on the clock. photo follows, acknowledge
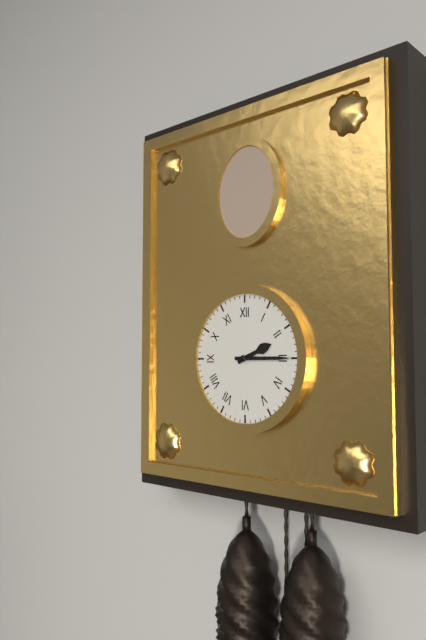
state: 2:15
